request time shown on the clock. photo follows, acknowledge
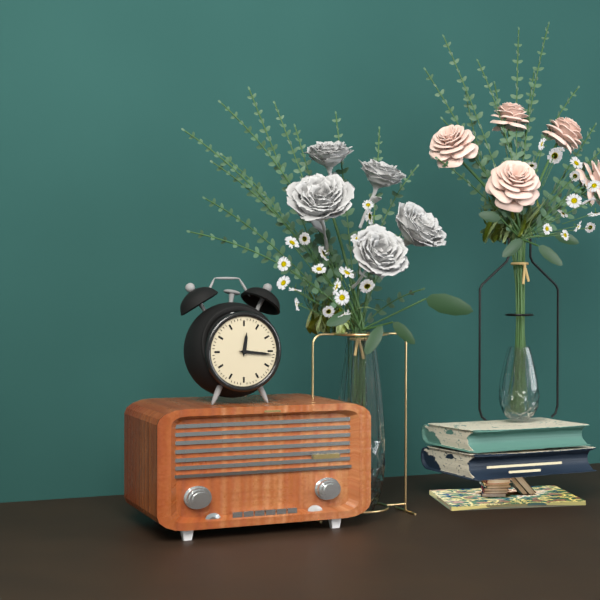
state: 12:16
